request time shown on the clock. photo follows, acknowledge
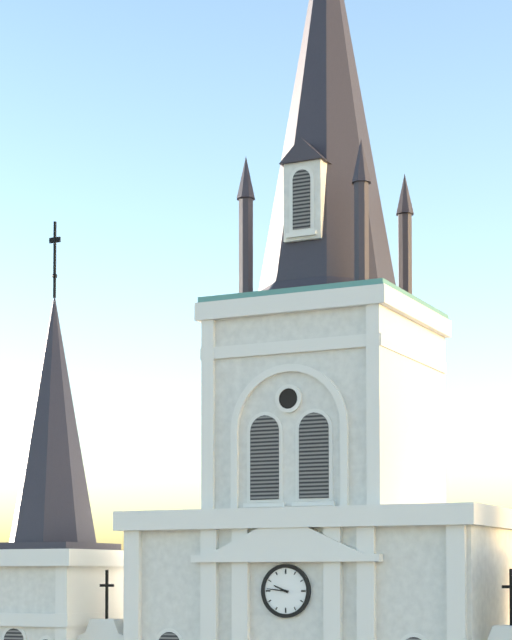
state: 9:46
